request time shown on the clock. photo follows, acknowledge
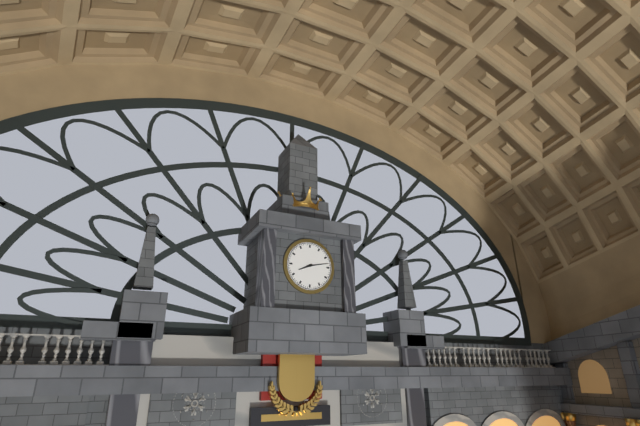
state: 8:13
